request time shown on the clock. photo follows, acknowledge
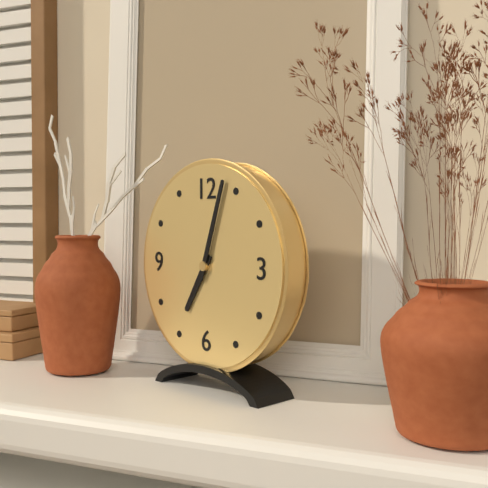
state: 7:03
